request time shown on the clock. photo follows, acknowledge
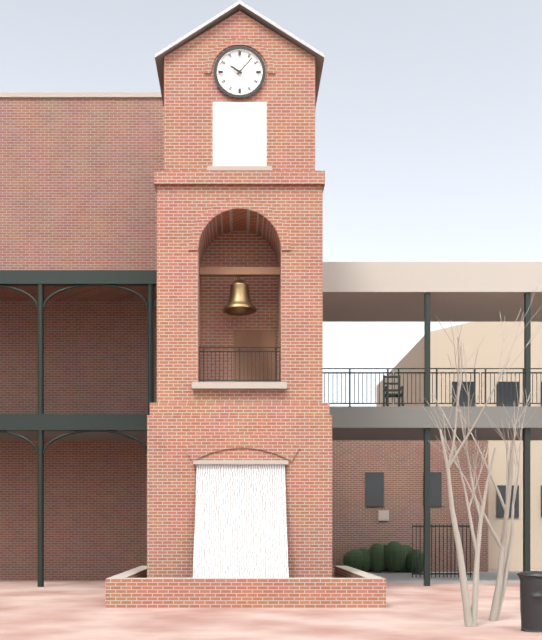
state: 10:07
